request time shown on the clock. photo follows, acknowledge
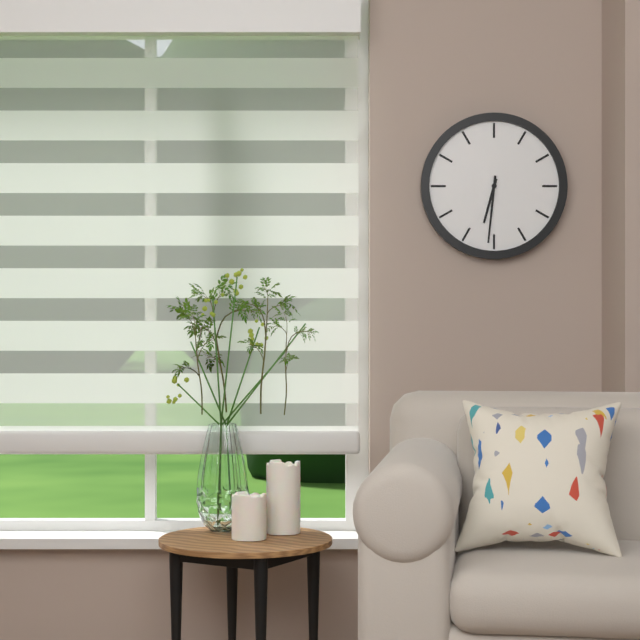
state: 6:31
